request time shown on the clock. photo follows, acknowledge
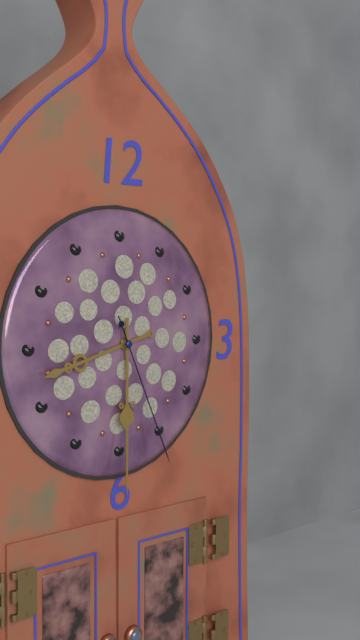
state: 8:30:26
